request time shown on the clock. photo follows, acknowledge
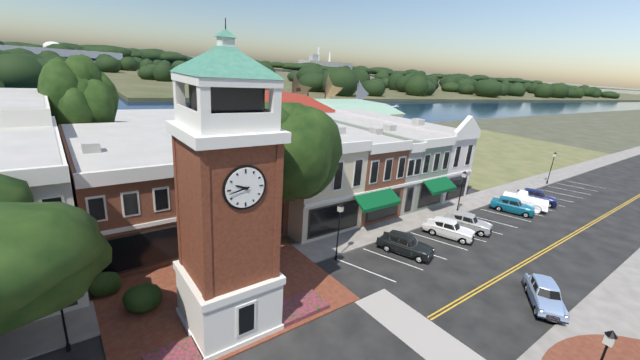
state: 9:43
